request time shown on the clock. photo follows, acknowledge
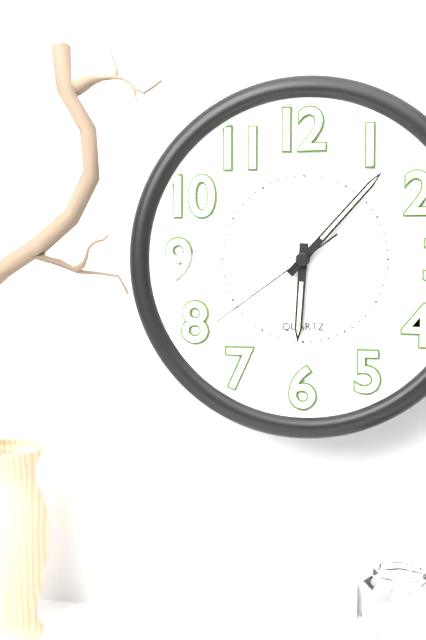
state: 6:07:39
